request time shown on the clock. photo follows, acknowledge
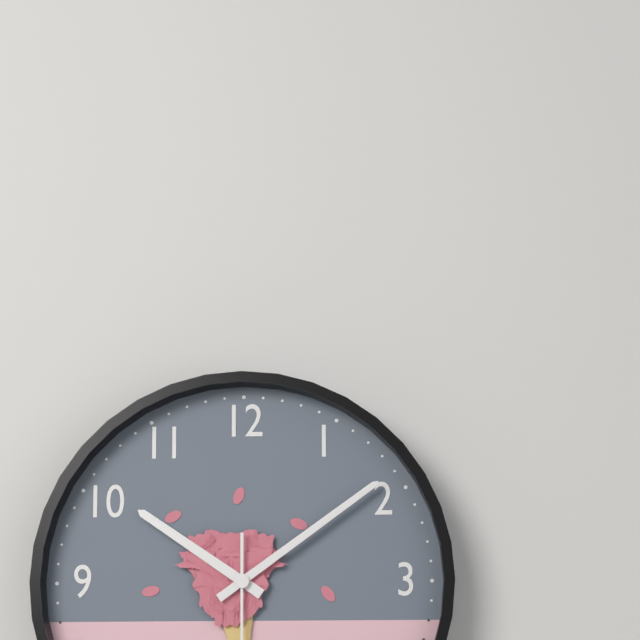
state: 10:09
